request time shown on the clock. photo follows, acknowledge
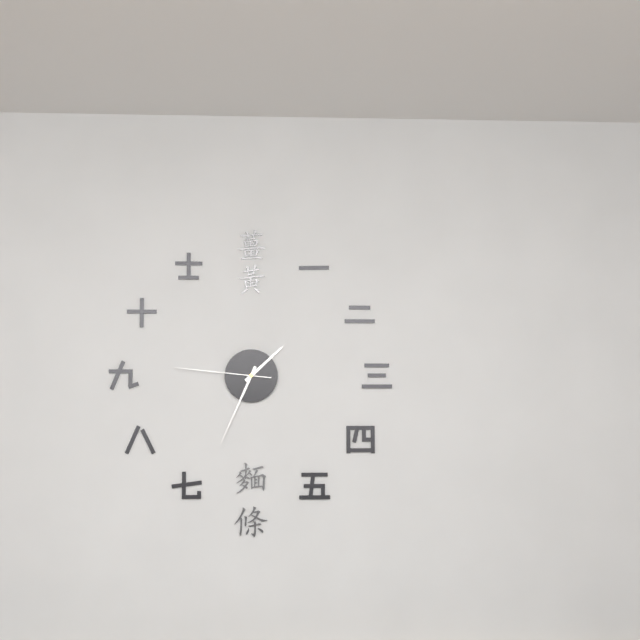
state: 1:34:46
